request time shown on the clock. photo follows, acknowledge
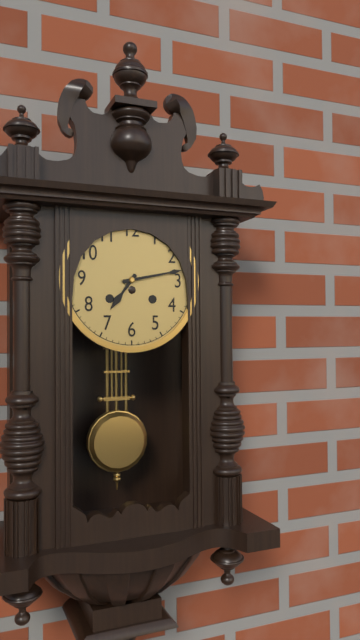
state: 7:13
